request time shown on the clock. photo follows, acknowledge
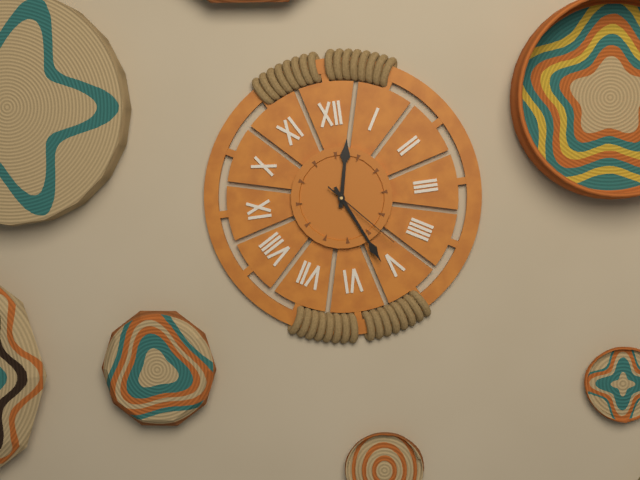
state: 12:26:23
